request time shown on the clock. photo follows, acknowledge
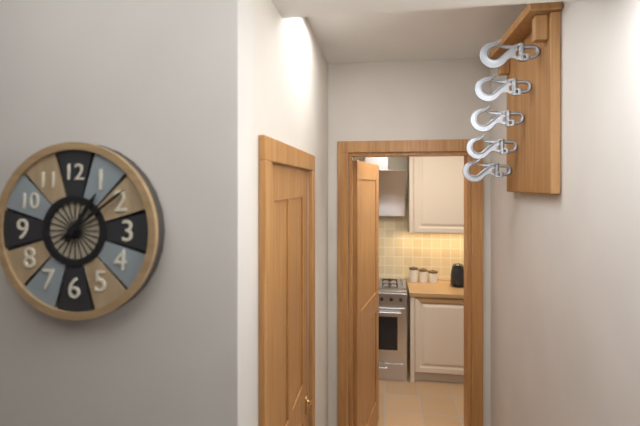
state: 1:09
